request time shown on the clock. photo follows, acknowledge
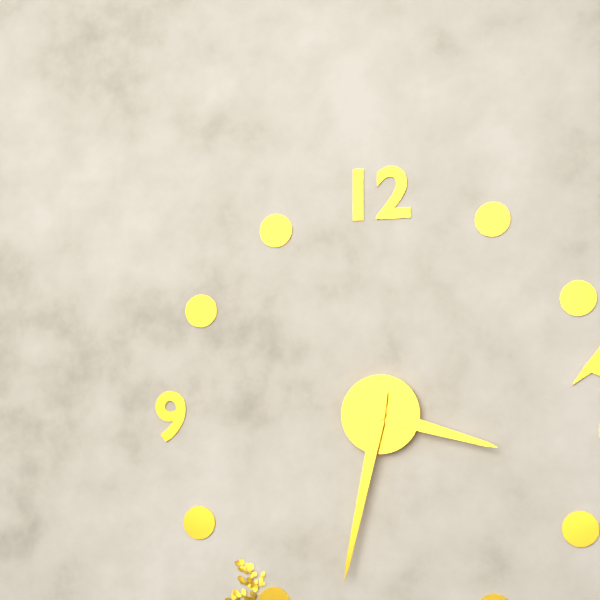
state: 3:32
